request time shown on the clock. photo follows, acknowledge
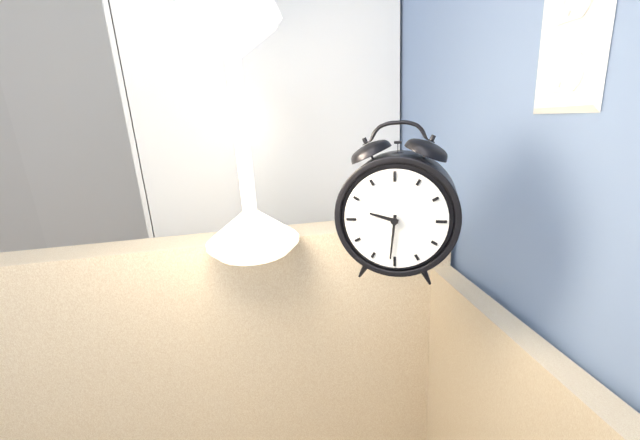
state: 9:31
